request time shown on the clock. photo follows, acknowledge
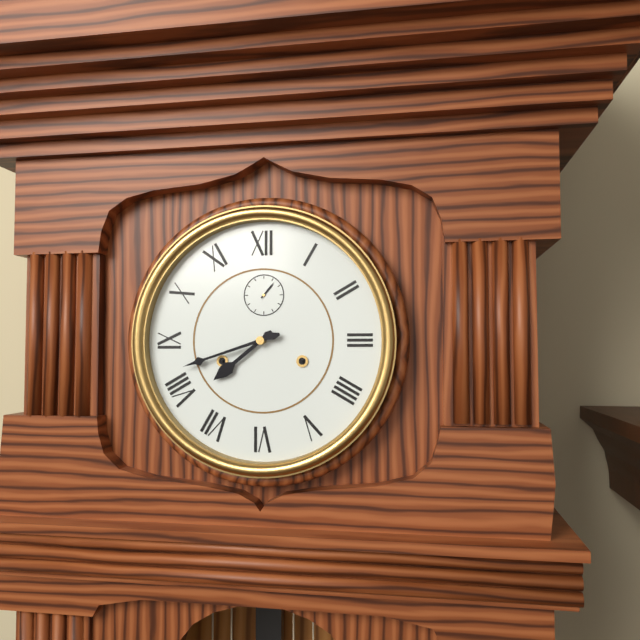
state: 7:42
